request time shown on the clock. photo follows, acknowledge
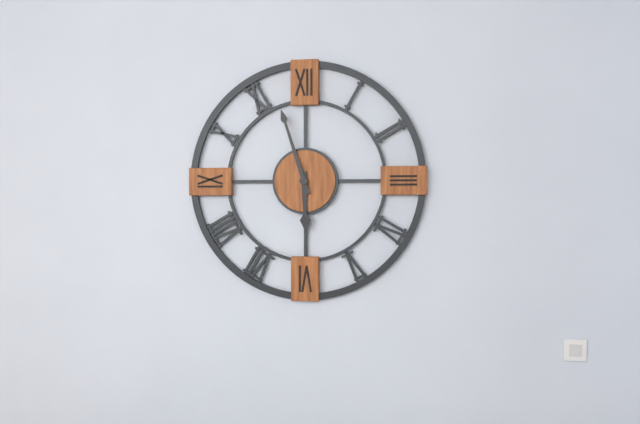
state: 5:57
